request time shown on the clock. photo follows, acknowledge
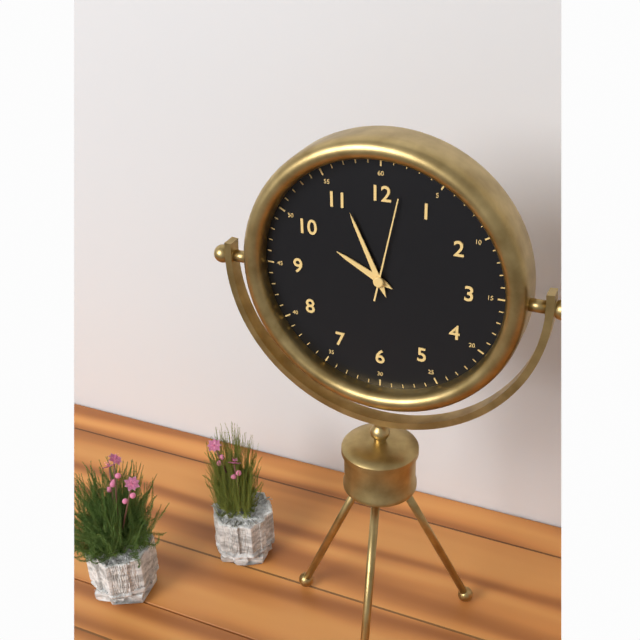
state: 9:56:02
